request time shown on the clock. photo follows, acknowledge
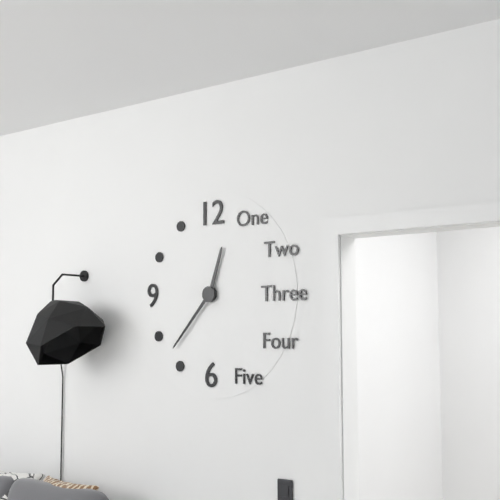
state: 12:37
